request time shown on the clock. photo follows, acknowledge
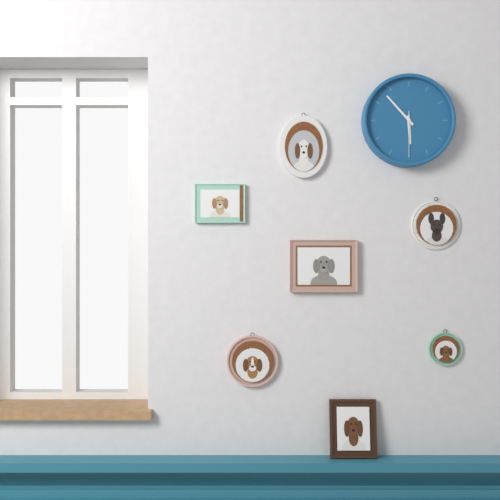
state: 5:53
